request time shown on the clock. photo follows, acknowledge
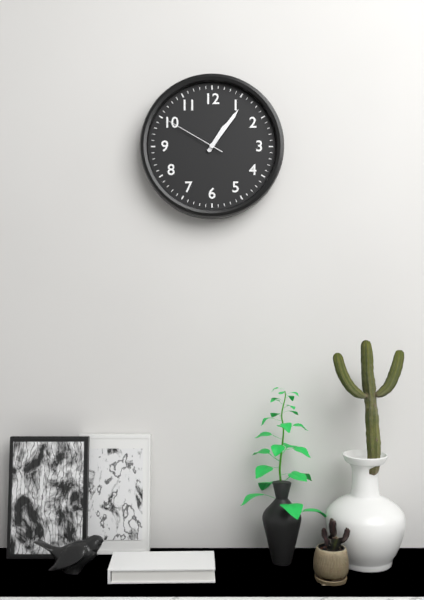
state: 1:06:50
